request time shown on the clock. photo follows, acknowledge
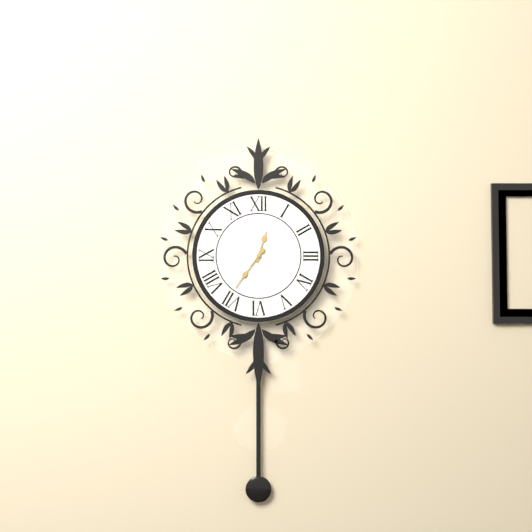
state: 12:36
